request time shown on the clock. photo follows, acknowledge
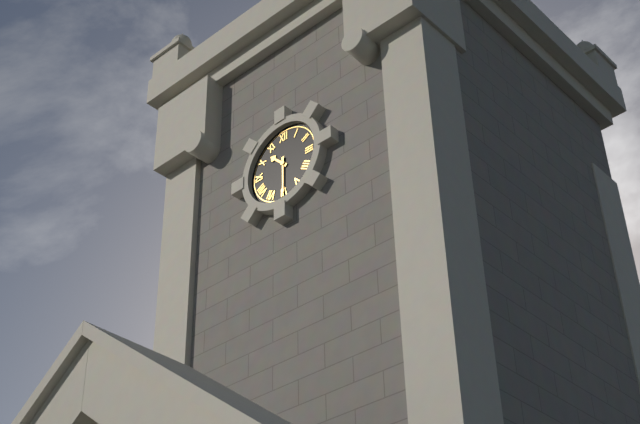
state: 10:30
